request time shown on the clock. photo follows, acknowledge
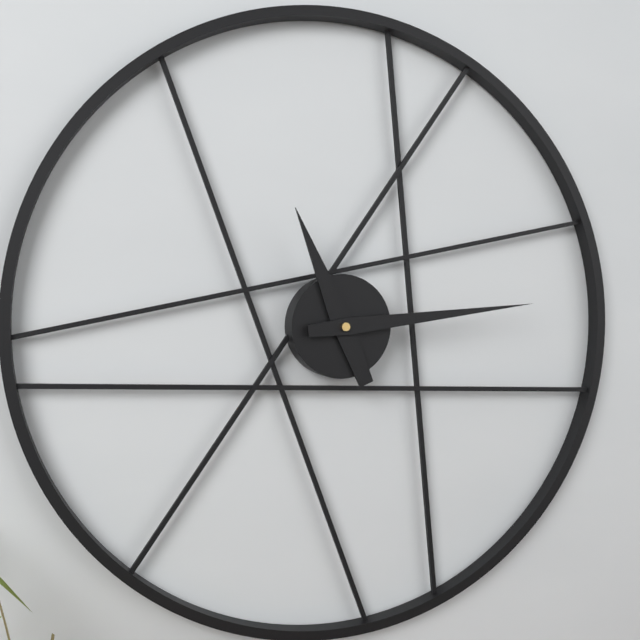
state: 11:14
